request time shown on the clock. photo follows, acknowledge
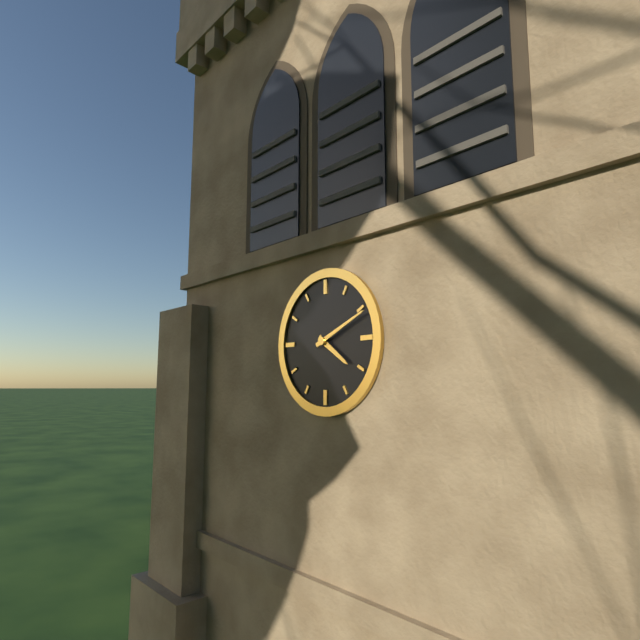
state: 4:11
